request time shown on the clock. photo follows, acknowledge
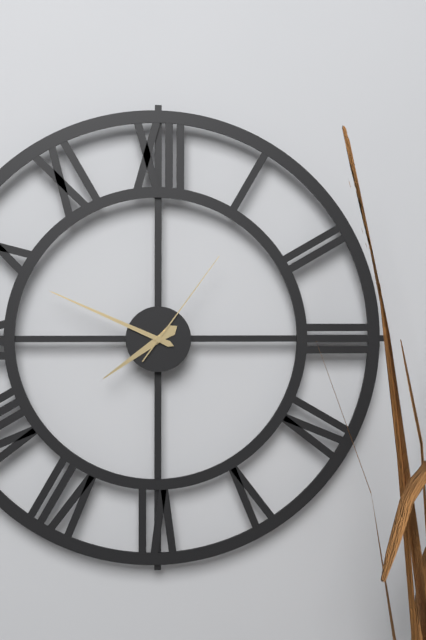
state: 7:49:06
